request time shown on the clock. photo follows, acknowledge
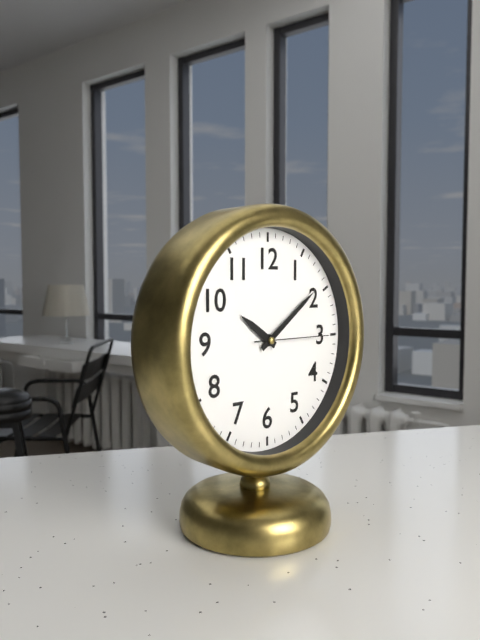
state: 10:09:15
